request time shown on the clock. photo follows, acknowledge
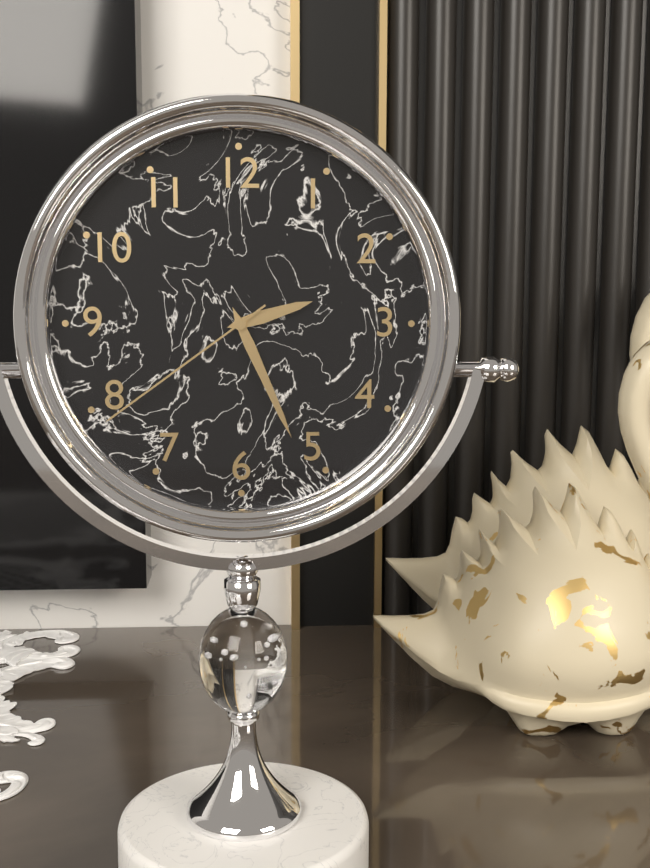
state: 2:26:39
